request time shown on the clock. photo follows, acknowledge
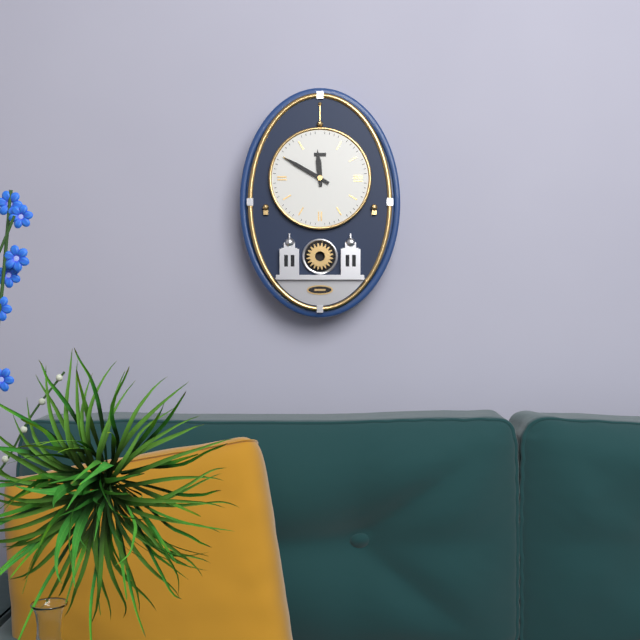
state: 11:50
